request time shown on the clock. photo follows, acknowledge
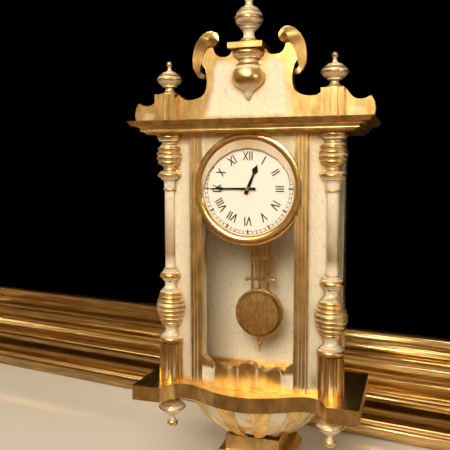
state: 12:45
